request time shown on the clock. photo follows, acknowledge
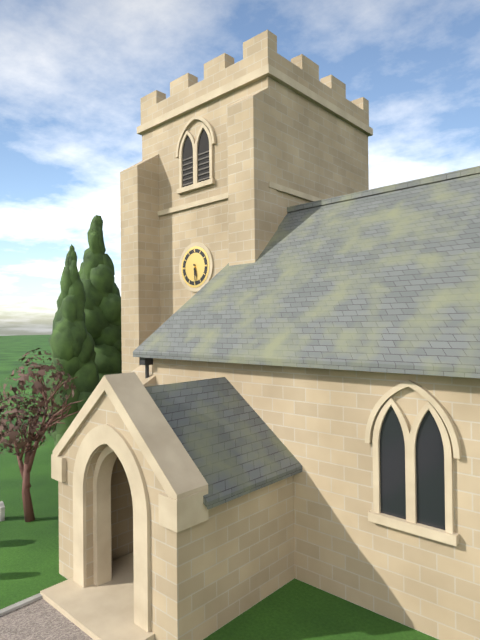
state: 5:29
